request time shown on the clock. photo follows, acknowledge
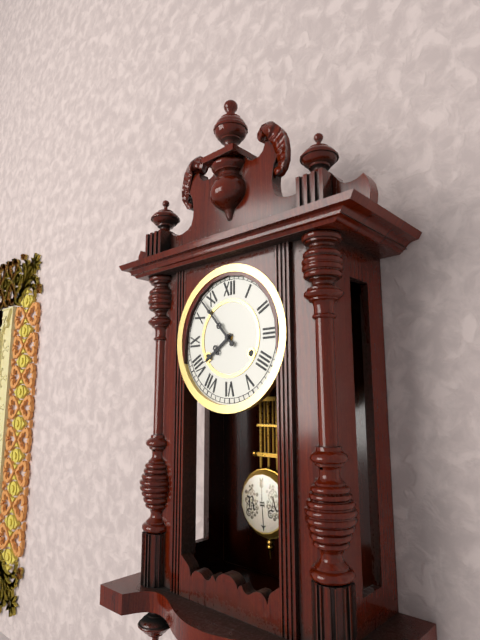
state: 7:53
